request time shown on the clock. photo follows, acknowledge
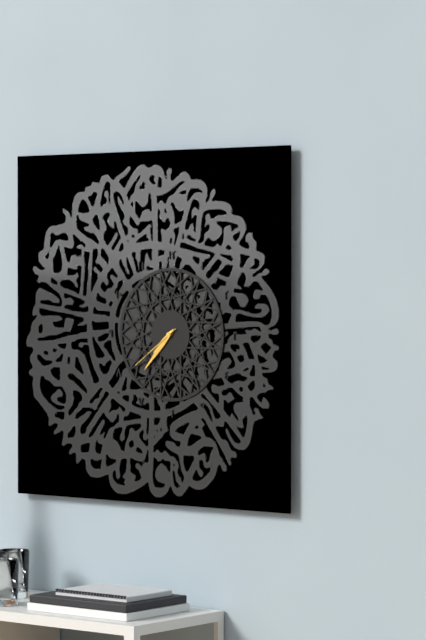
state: 7:37:39
